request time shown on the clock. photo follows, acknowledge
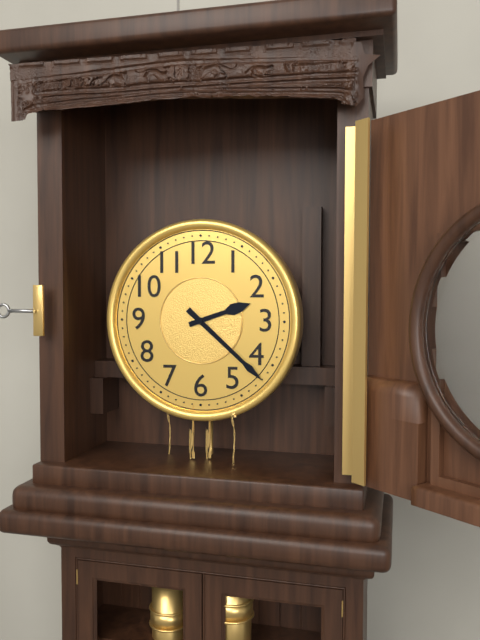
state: 2:22
